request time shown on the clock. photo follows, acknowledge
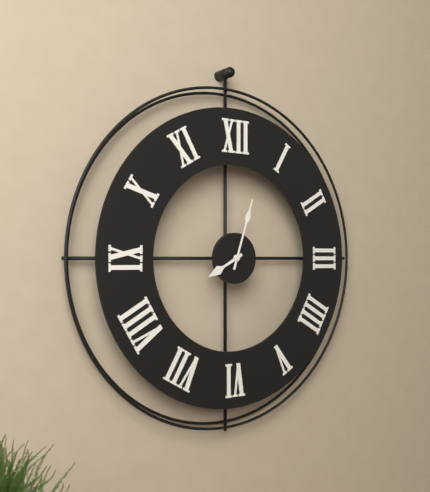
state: 8:03
